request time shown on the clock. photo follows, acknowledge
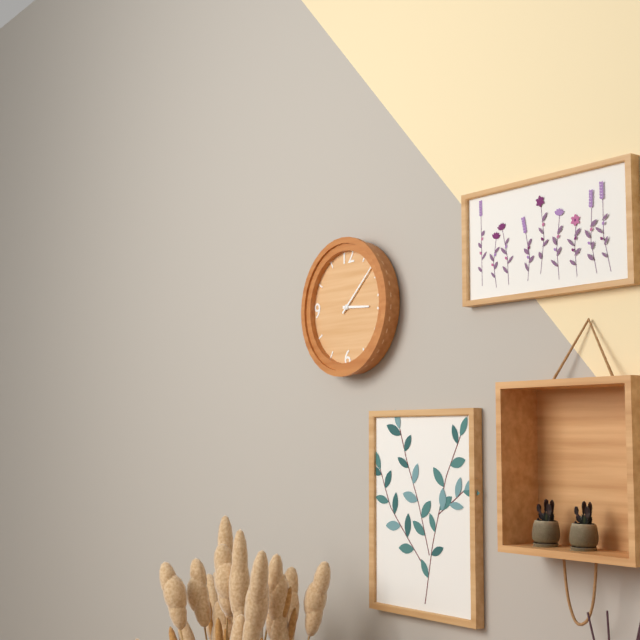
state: 3:08
